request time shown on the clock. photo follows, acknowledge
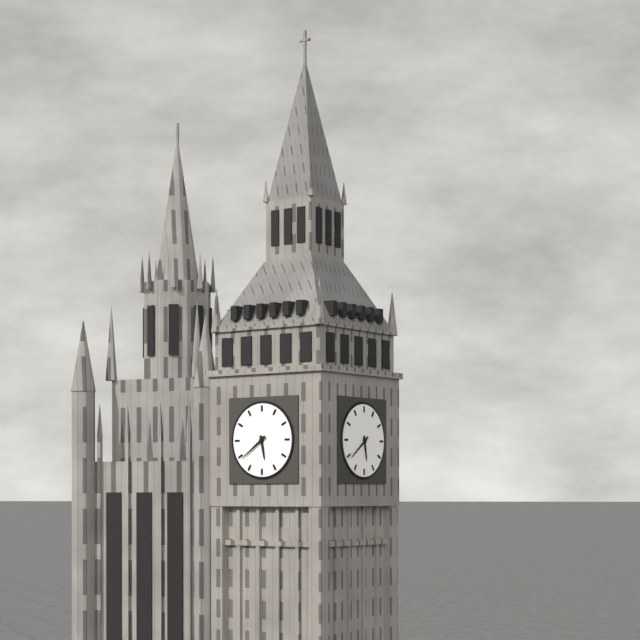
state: 5:39
